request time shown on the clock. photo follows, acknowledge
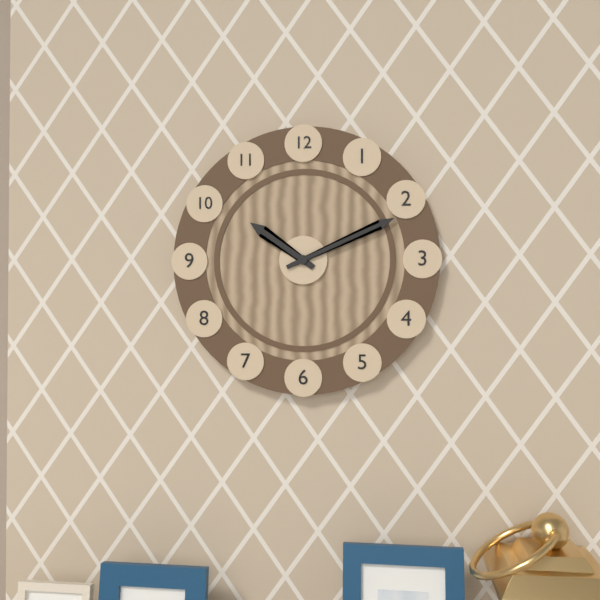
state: 10:11
